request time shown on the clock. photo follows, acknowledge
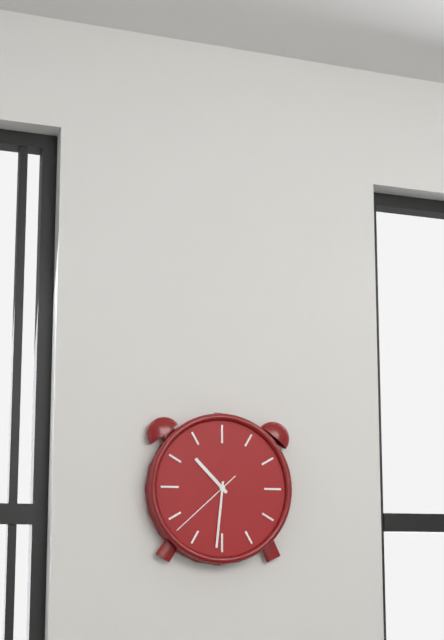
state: 10:31:38
